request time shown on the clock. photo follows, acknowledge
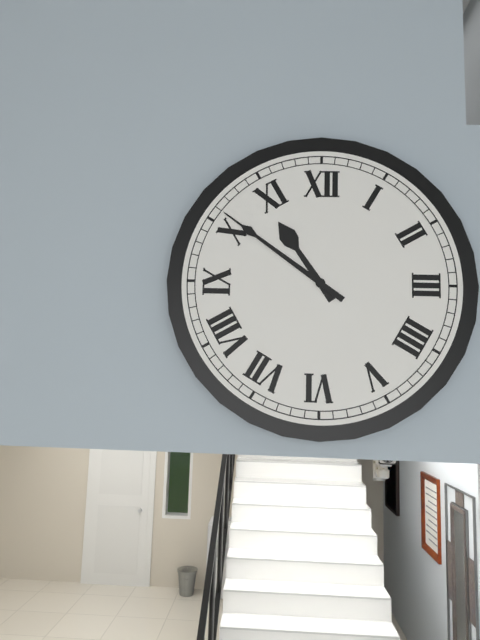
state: 10:51
